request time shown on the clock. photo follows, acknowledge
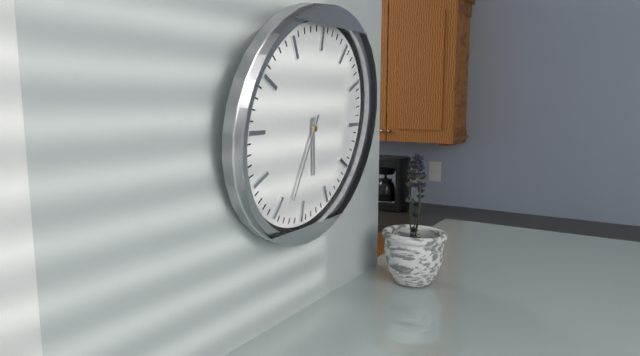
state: 5:33
